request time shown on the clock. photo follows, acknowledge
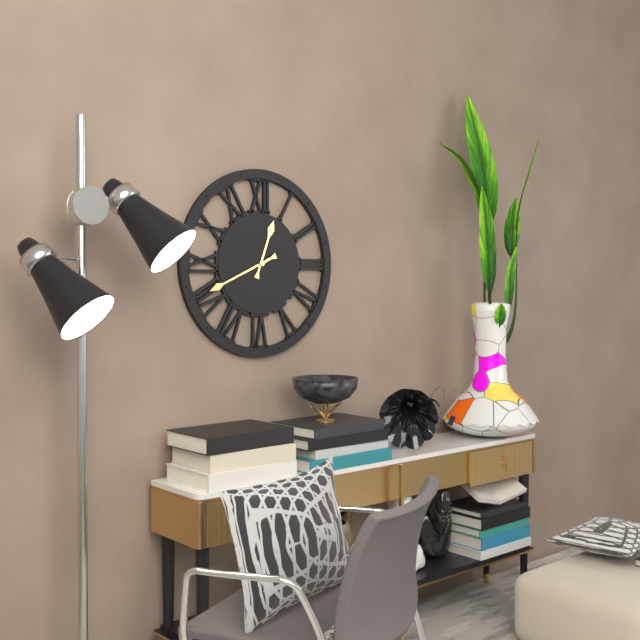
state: 12:41
